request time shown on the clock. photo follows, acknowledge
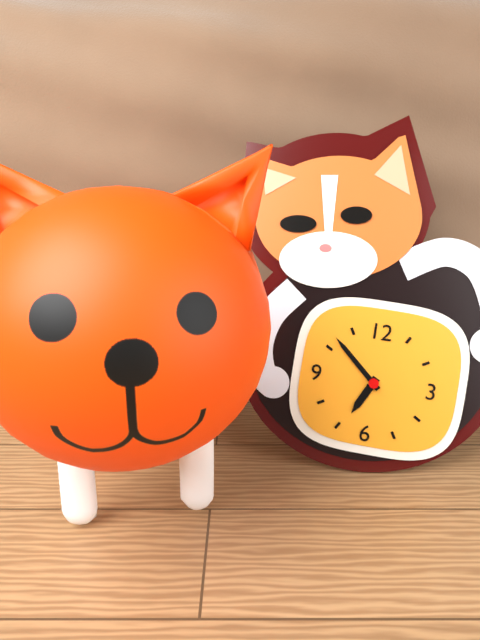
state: 6:52
